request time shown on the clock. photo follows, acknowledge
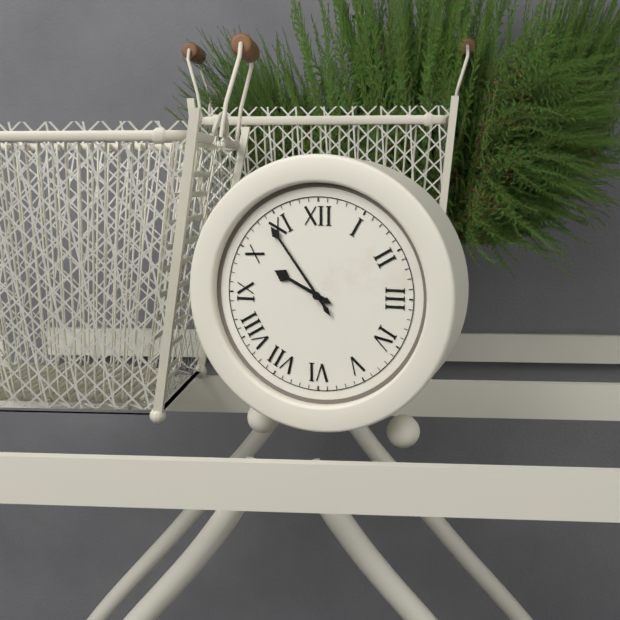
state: 9:54
